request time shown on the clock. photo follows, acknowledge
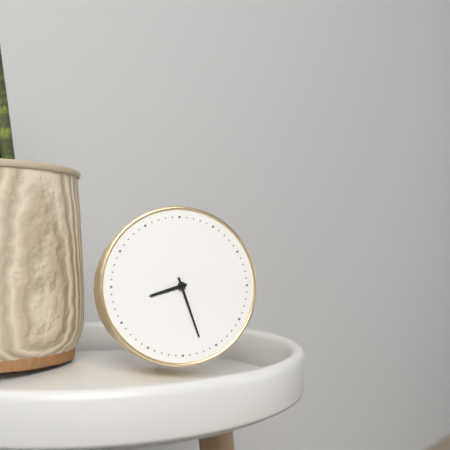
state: 8:27
